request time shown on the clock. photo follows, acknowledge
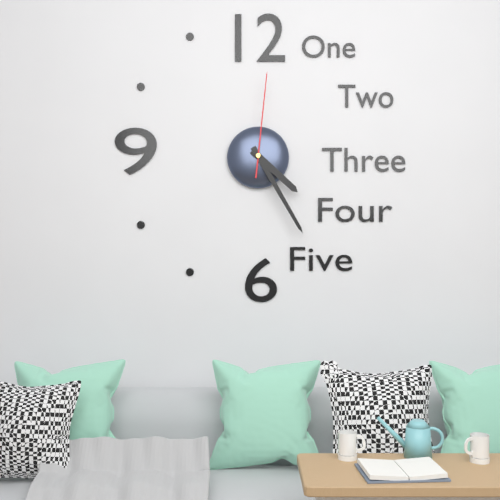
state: 4:25:01
